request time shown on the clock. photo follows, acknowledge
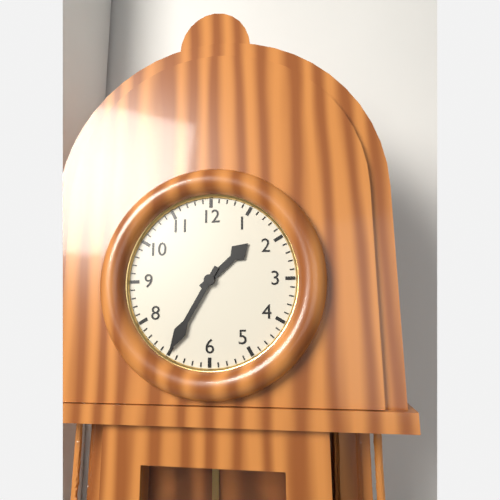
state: 1:35
